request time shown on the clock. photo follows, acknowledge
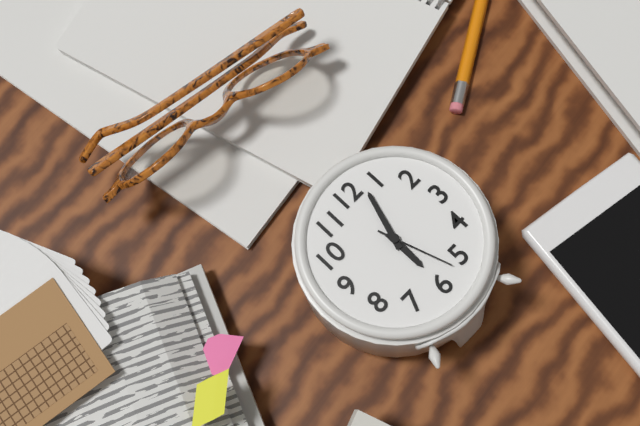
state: 6:03:27
